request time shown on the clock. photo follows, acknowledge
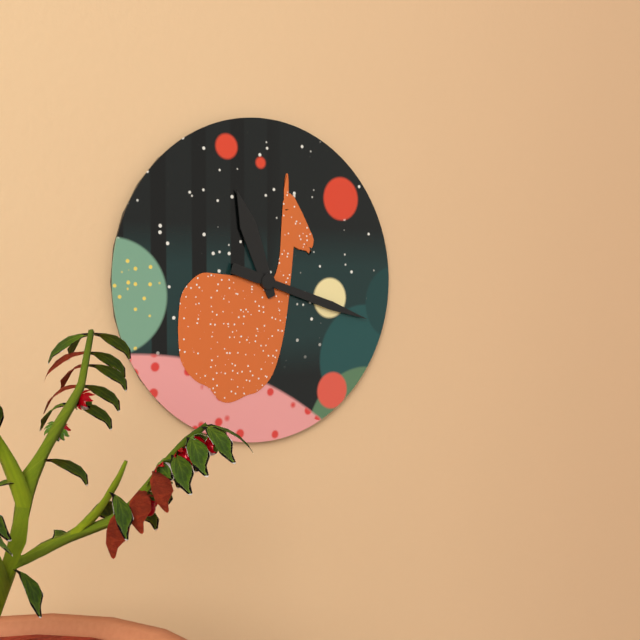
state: 11:18
